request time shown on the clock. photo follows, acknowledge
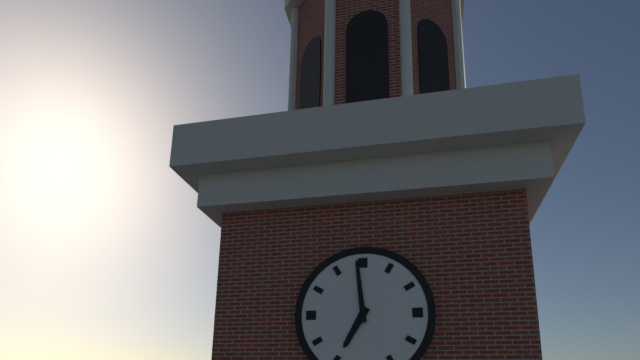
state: 6:59
